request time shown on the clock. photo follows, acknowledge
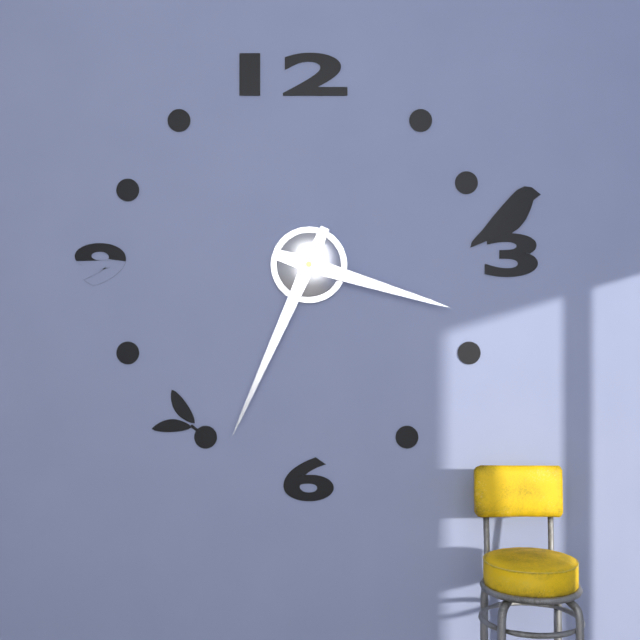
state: 3:34
